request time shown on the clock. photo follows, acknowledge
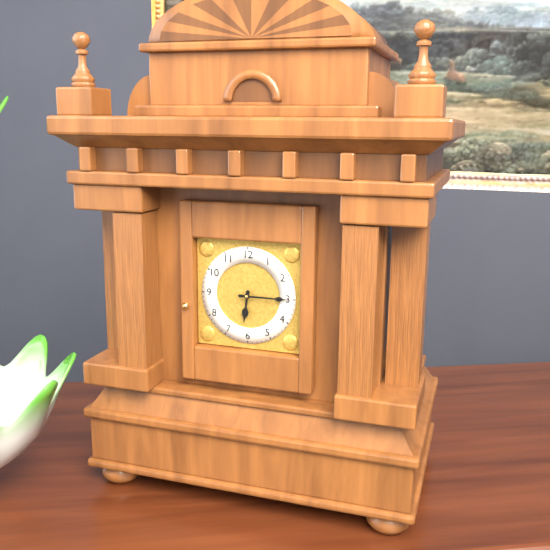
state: 6:15
